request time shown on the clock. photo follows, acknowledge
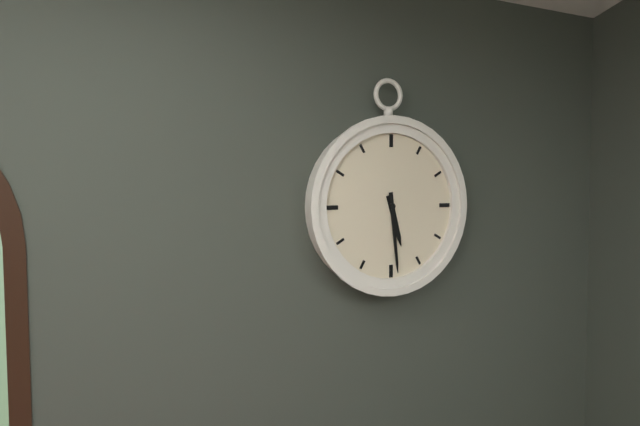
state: 5:29
